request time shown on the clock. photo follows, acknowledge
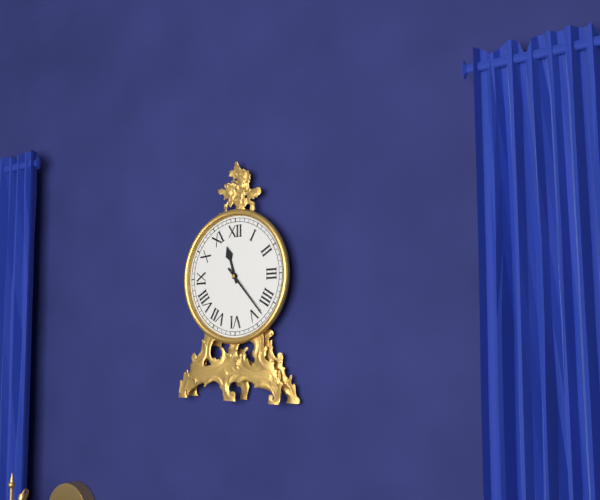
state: 11:23
